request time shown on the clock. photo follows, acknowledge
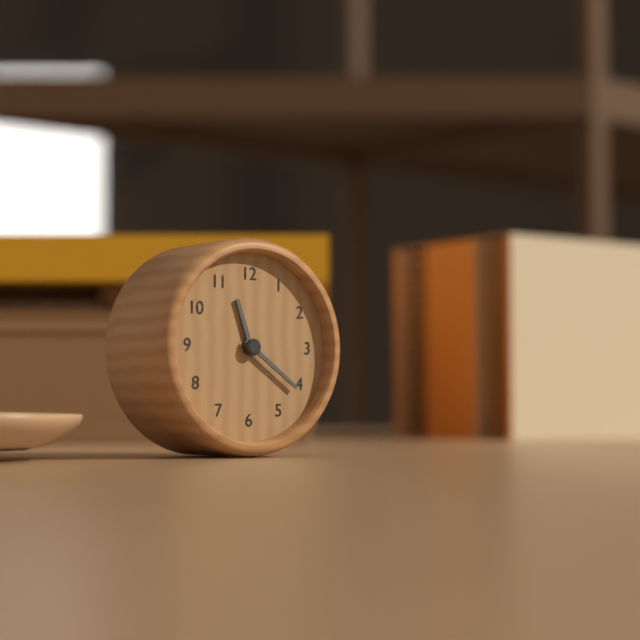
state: 11:21
